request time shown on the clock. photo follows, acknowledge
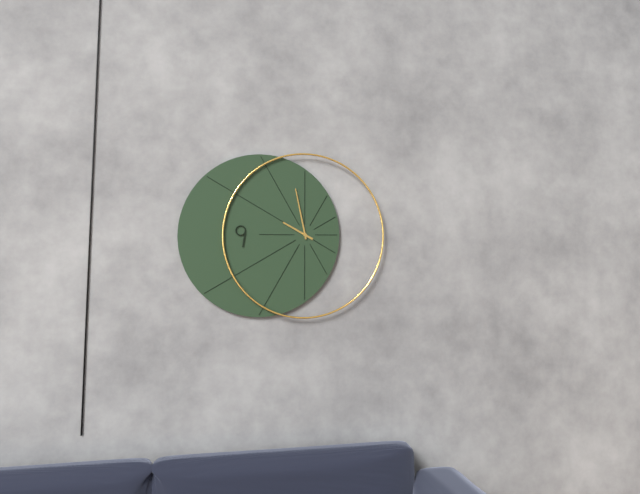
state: 9:58
